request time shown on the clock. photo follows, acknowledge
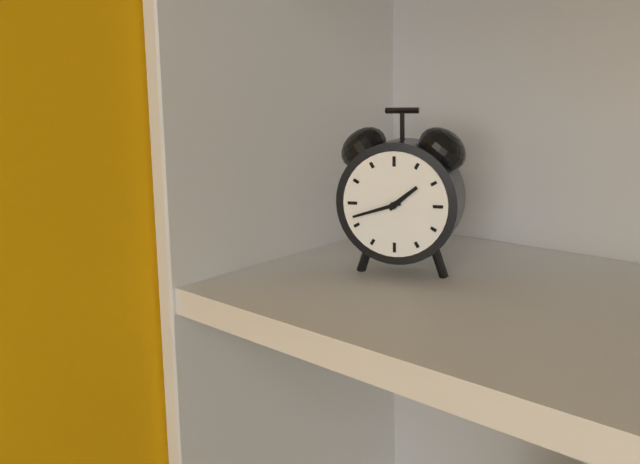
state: 1:42
